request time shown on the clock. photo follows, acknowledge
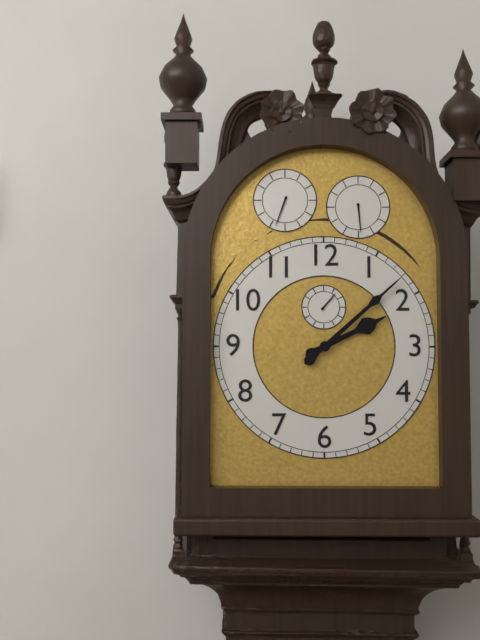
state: 2:08
